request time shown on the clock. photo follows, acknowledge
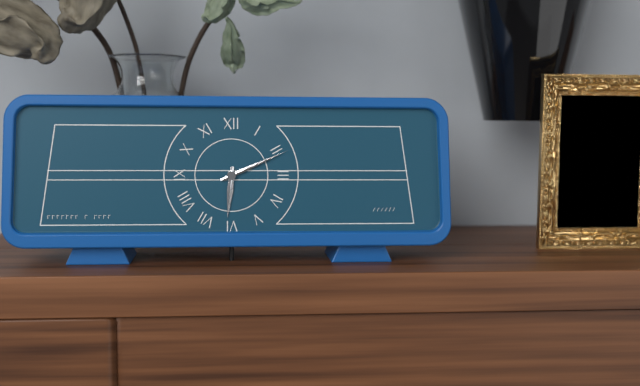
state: 6:11
